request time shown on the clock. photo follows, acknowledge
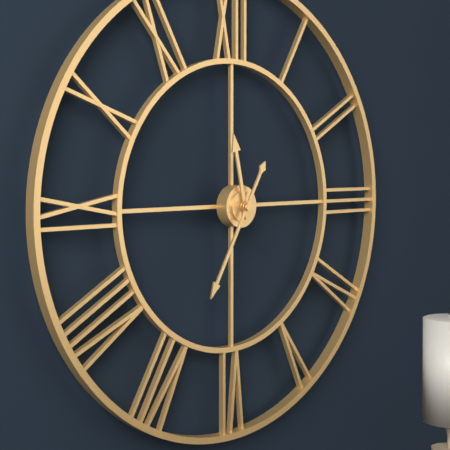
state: 11:35
